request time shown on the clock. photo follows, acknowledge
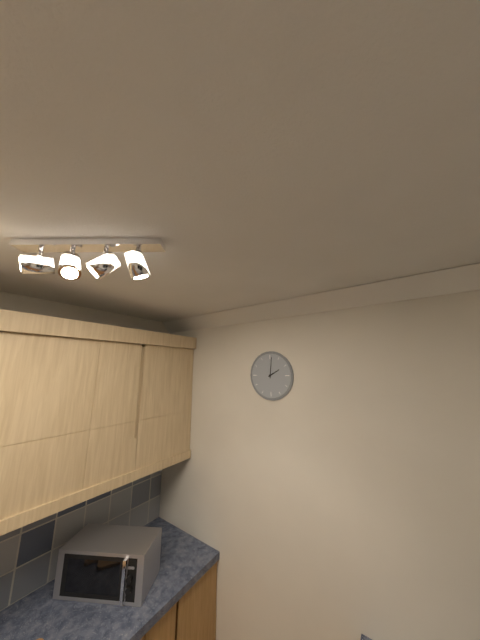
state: 2:01
